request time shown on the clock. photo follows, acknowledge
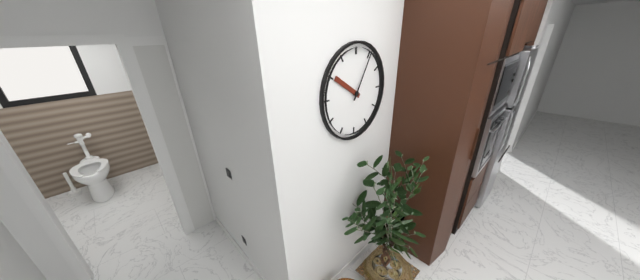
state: 10:05
